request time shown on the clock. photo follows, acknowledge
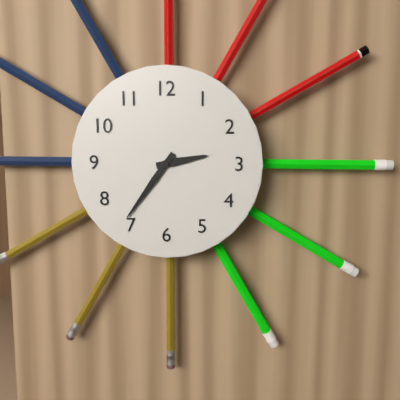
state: 2:36
